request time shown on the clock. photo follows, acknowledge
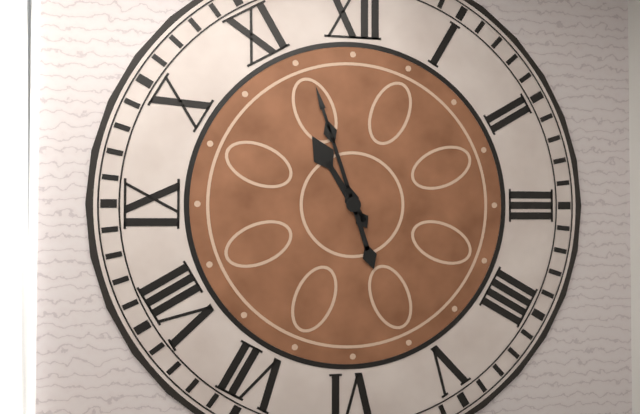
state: 10:57
